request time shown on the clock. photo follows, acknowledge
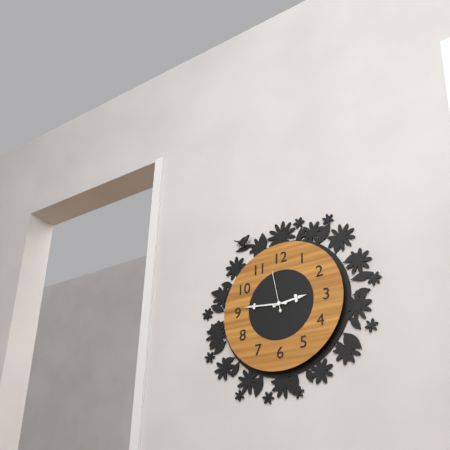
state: 2:46
